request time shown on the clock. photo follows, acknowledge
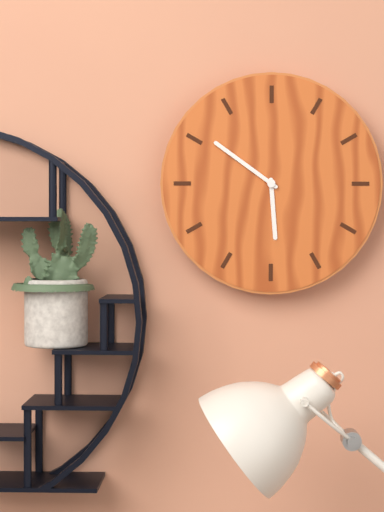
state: 5:51
